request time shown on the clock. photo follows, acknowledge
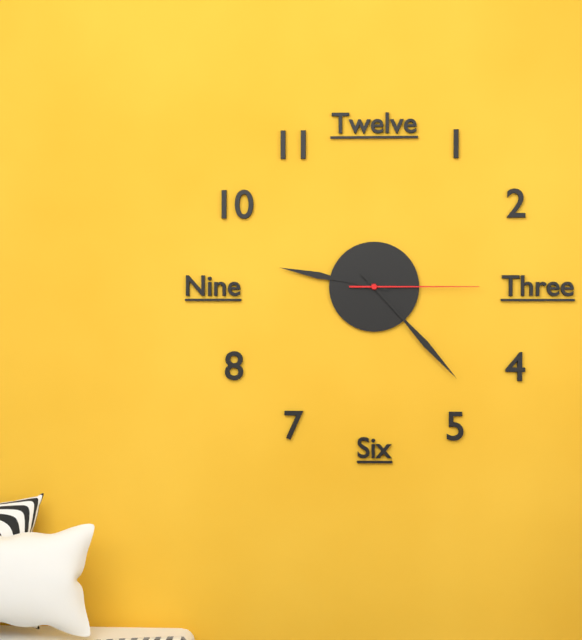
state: 9:23:15
